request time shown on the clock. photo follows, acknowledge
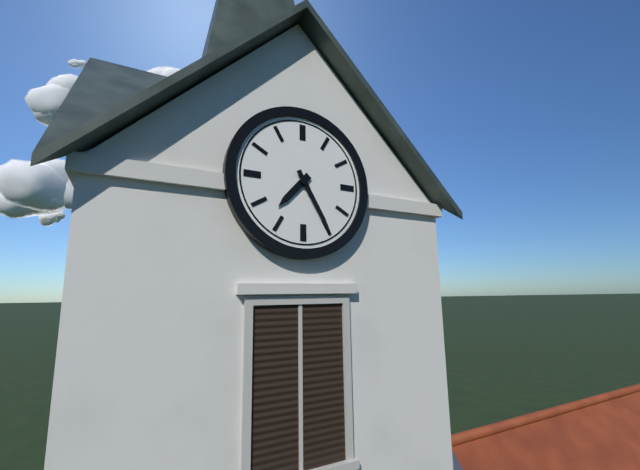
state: 7:25
